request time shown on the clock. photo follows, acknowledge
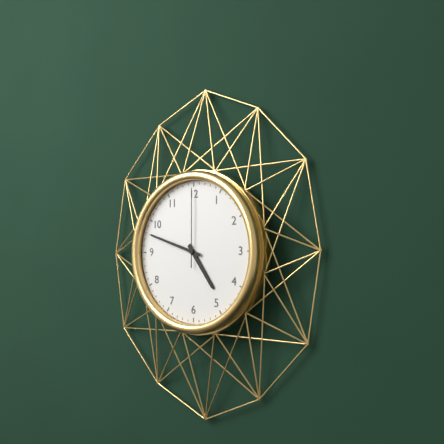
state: 4:48:00
